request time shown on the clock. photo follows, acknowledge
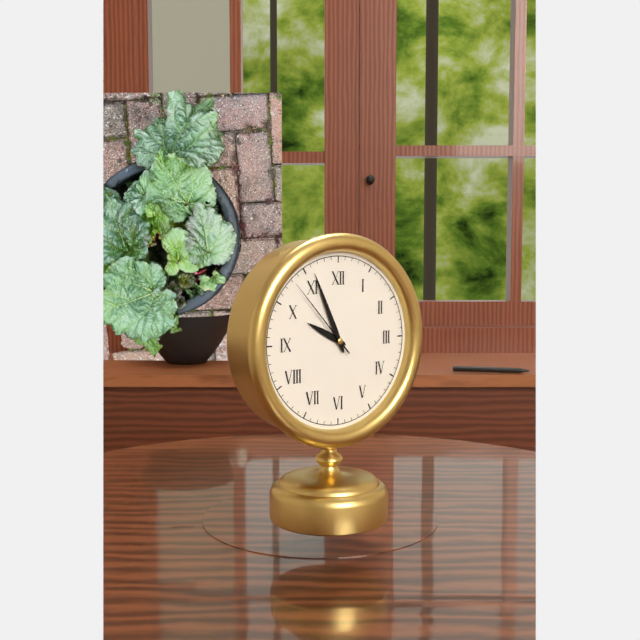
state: 9:56:53
